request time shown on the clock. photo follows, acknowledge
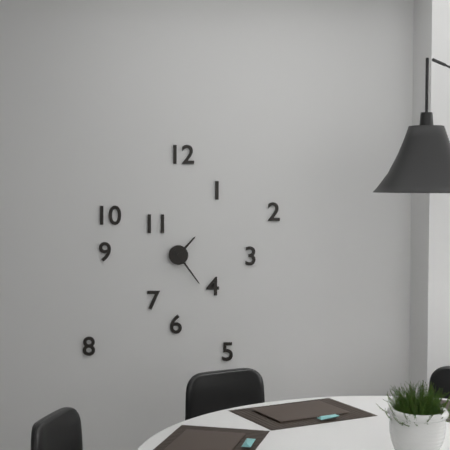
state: 1:24
